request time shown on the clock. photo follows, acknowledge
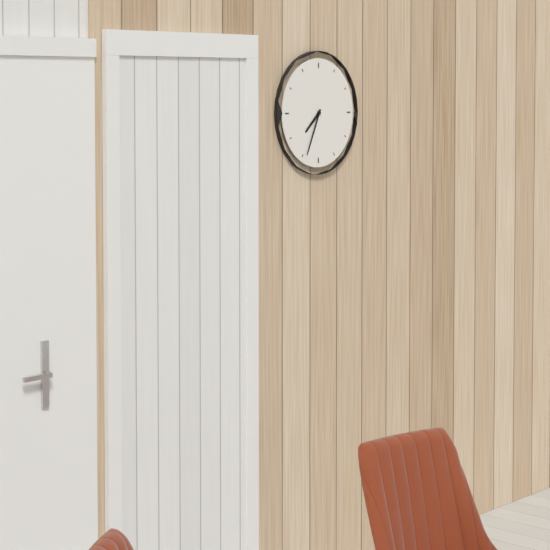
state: 7:34
